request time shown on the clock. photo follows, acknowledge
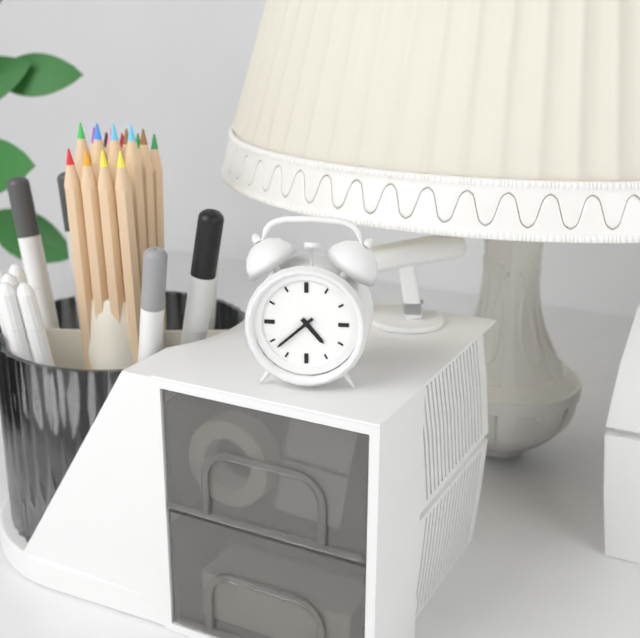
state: 4:38
